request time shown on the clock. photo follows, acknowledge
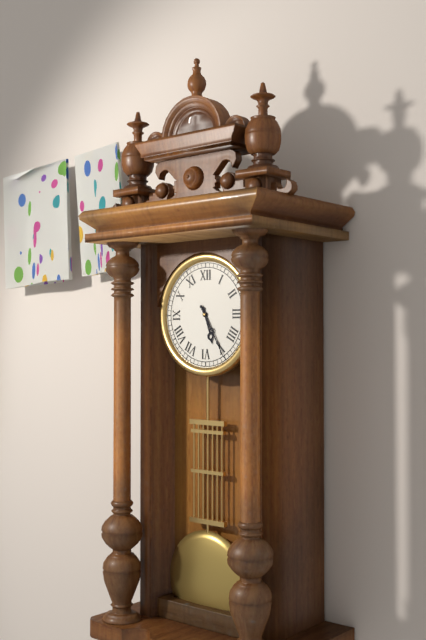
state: 5:25
